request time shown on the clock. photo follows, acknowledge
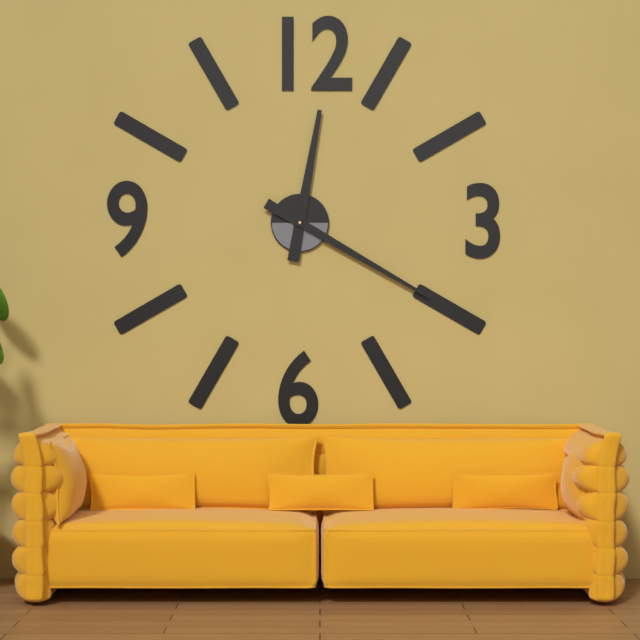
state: 12:20
